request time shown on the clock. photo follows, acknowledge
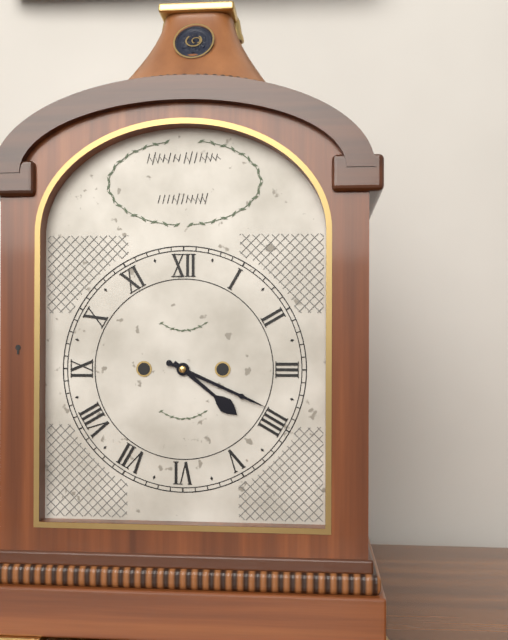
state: 4:19
